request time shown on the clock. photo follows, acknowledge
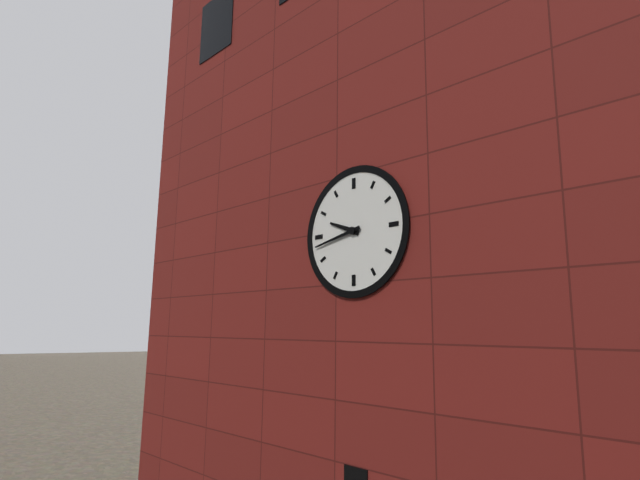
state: 9:43
